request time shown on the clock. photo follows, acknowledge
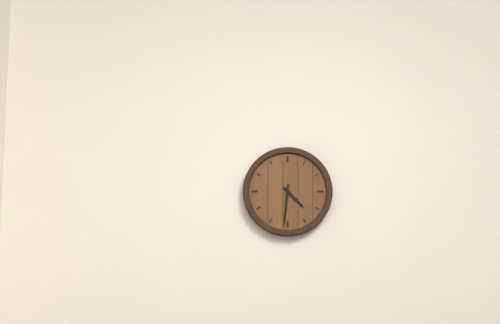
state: 4:31
